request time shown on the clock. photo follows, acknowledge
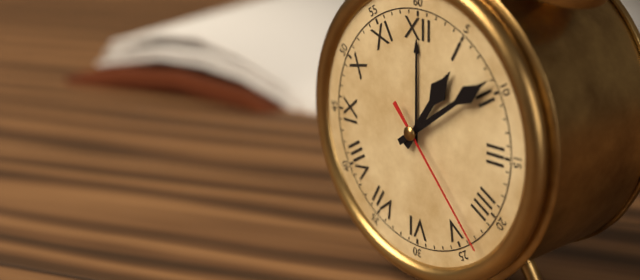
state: 1:09:23
